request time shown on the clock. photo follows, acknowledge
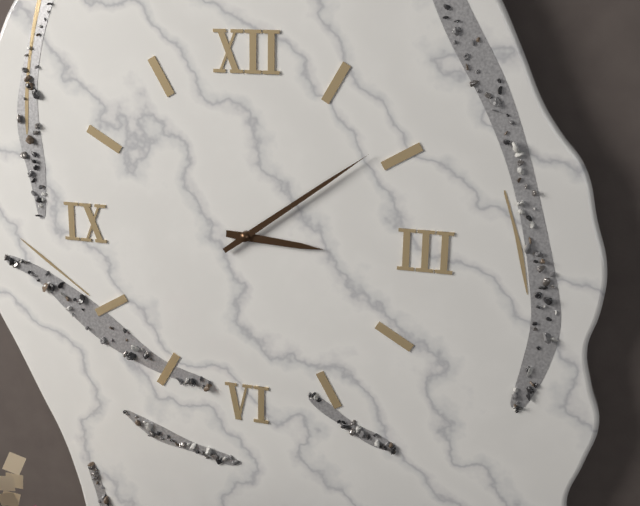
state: 3:09
